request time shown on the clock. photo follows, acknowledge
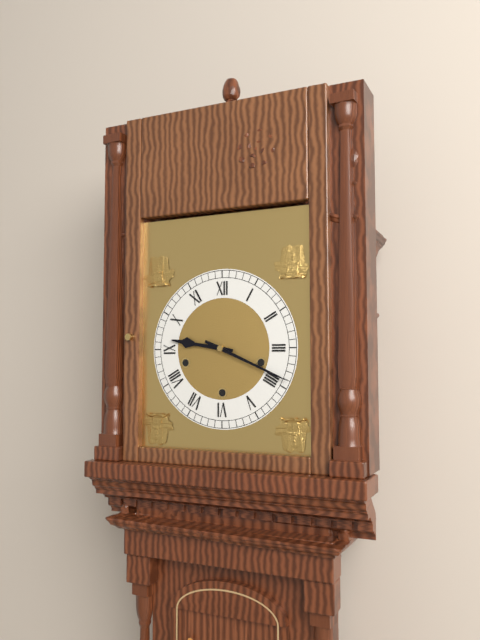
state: 9:19
